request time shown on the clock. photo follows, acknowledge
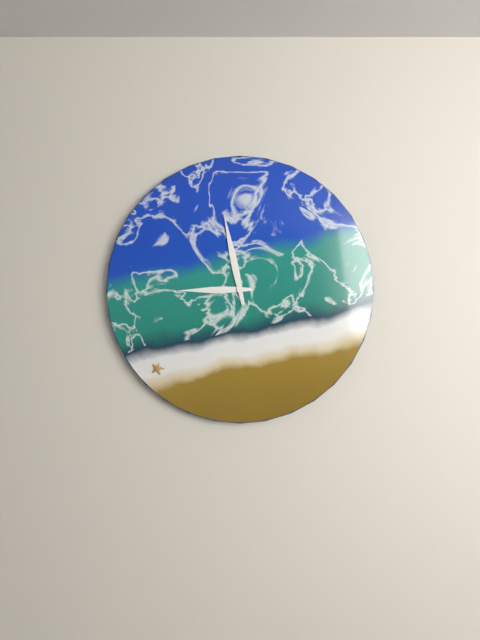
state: 8:58
